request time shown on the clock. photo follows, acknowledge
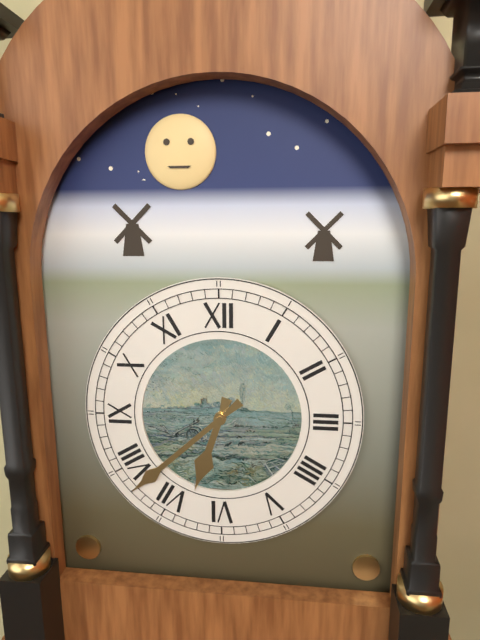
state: 6:38
